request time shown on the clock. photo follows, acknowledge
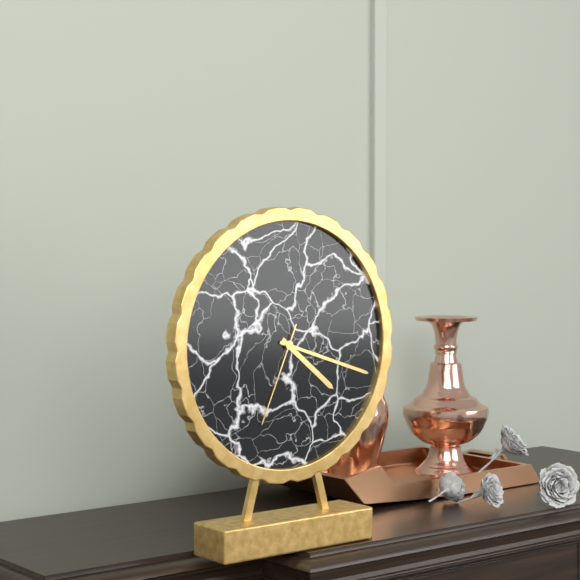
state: 4:18:34
